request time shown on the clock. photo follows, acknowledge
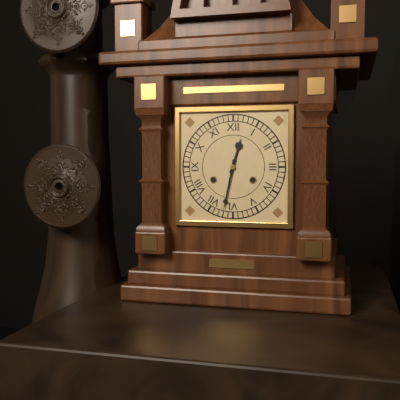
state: 12:32
